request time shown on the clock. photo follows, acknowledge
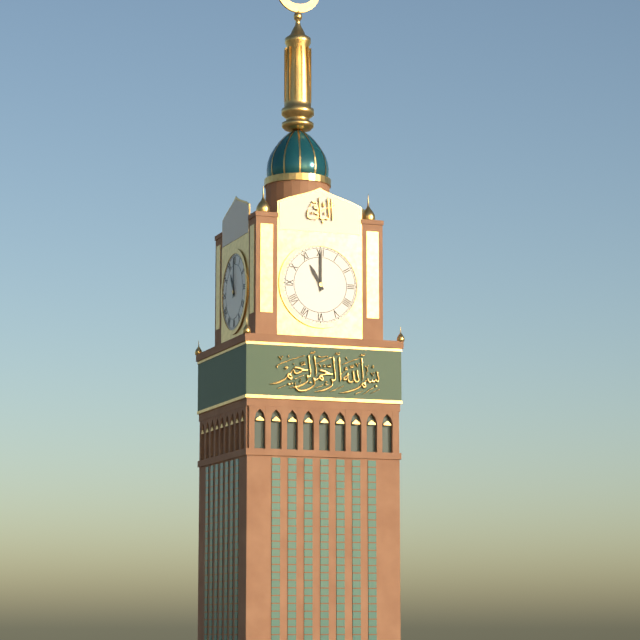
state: 11:00
